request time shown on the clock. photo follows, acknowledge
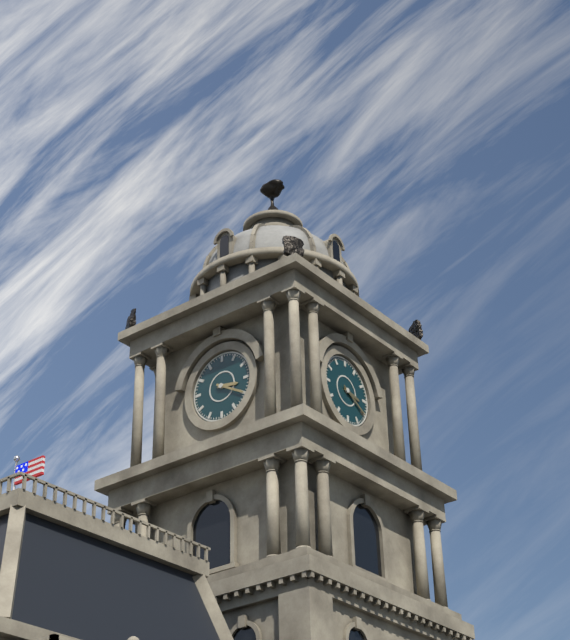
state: 3:20
